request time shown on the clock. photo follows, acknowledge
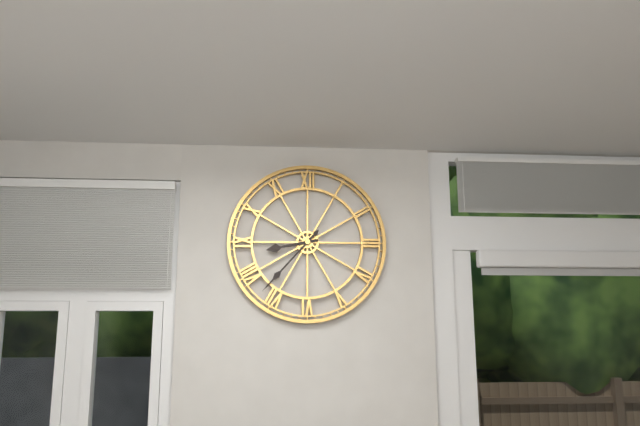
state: 8:37
